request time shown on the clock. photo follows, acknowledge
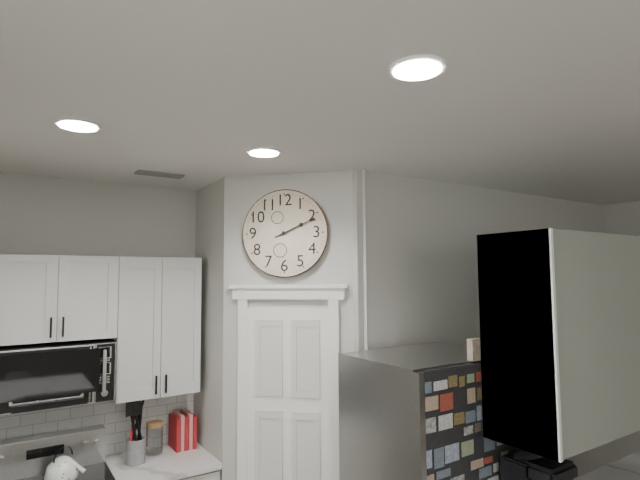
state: 2:11
